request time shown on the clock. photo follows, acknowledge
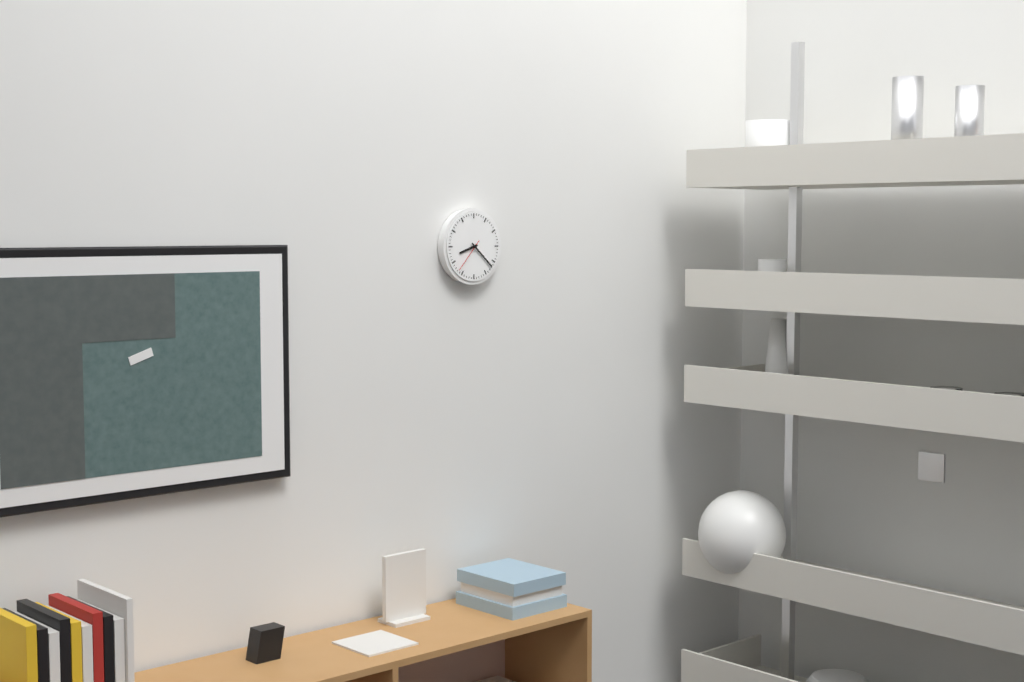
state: 8:22
